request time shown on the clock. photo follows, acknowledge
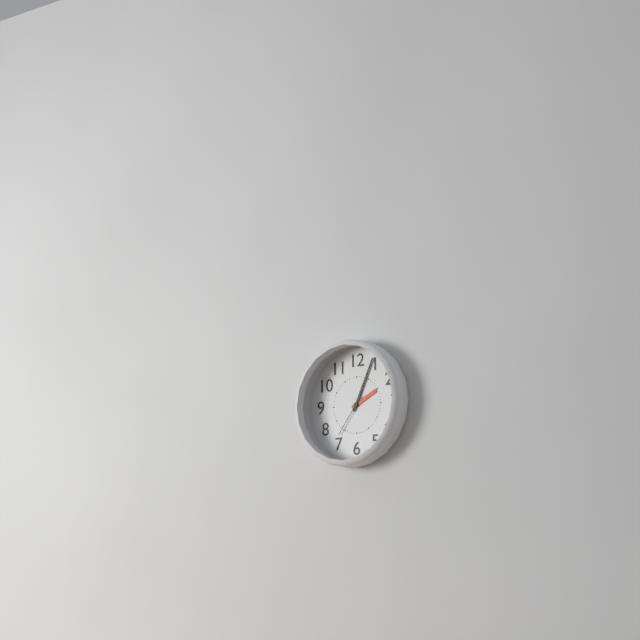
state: 2:04
